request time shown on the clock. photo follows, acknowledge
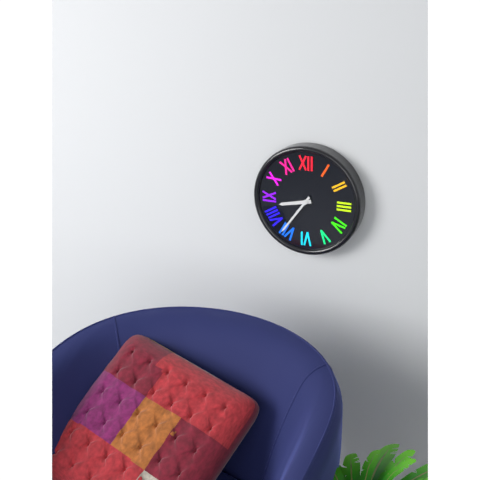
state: 8:36
